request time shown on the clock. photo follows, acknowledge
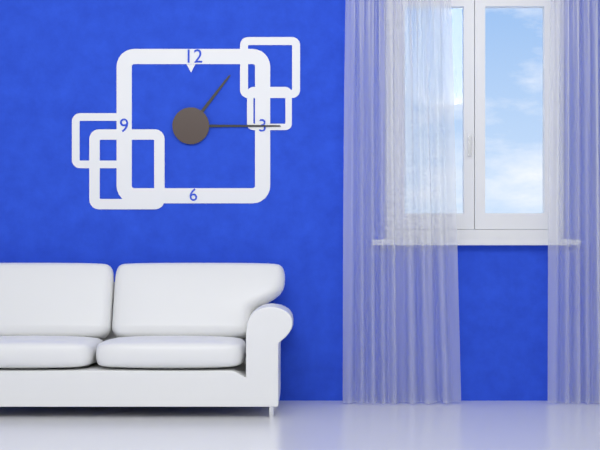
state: 1:15
